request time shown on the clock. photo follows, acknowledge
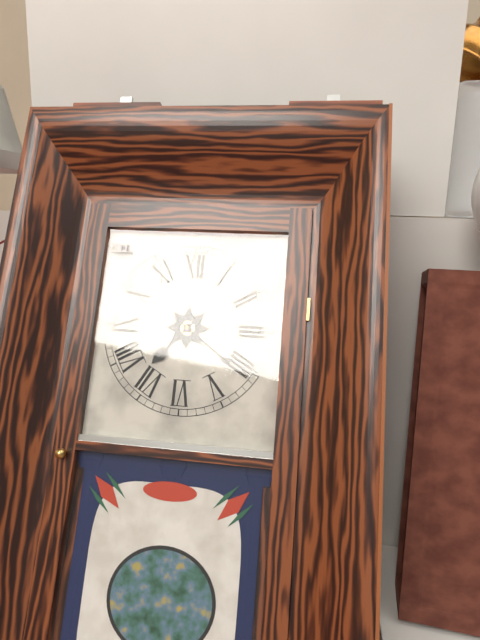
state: 7:21
